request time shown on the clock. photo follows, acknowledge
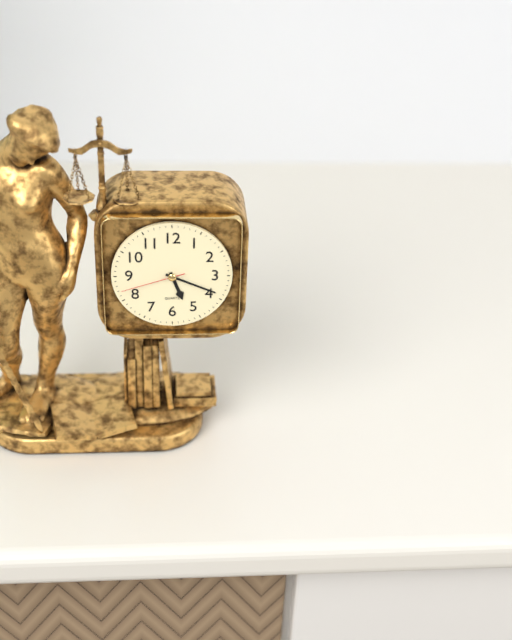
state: 5:19:42
